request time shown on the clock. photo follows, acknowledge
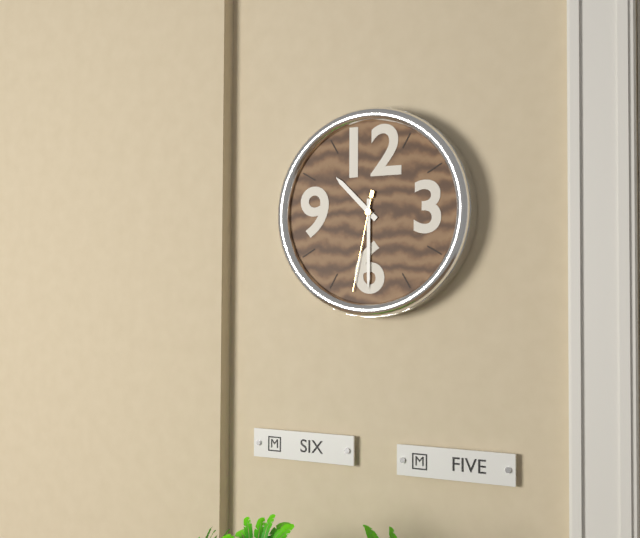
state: 10:30:32
